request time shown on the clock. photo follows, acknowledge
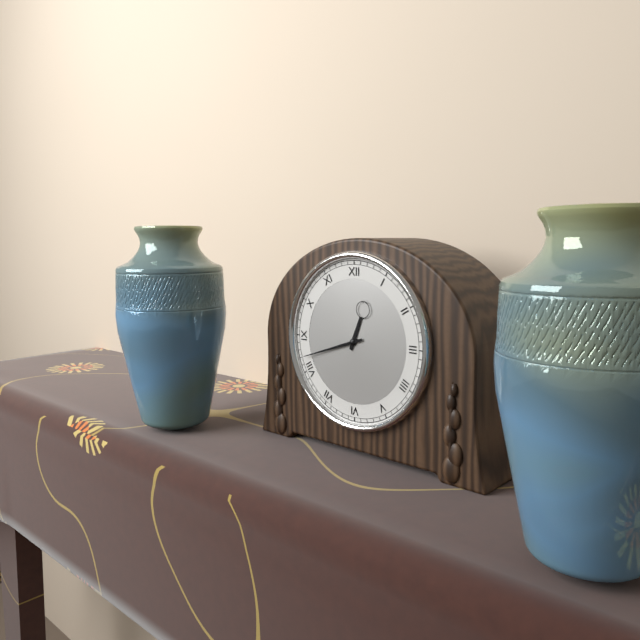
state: 12:42
